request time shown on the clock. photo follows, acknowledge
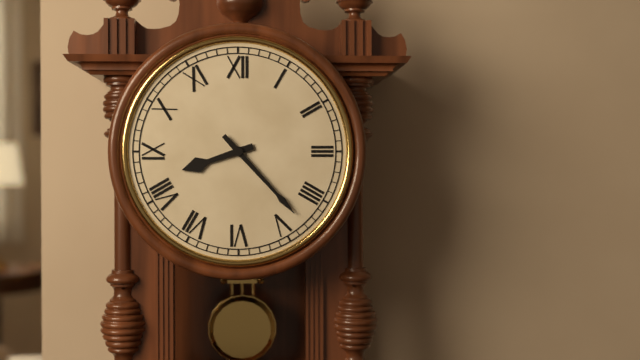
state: 8:23
